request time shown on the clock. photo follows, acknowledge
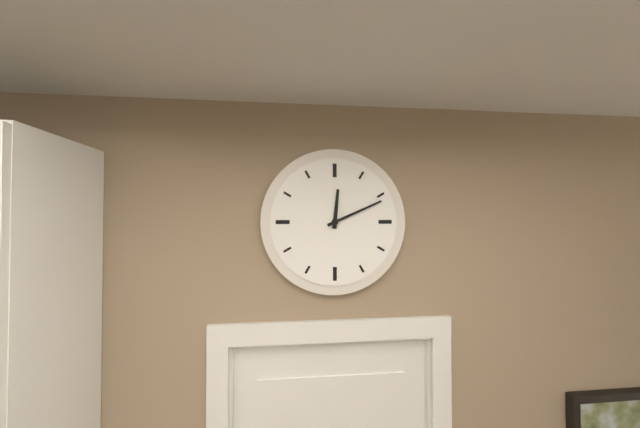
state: 12:11
